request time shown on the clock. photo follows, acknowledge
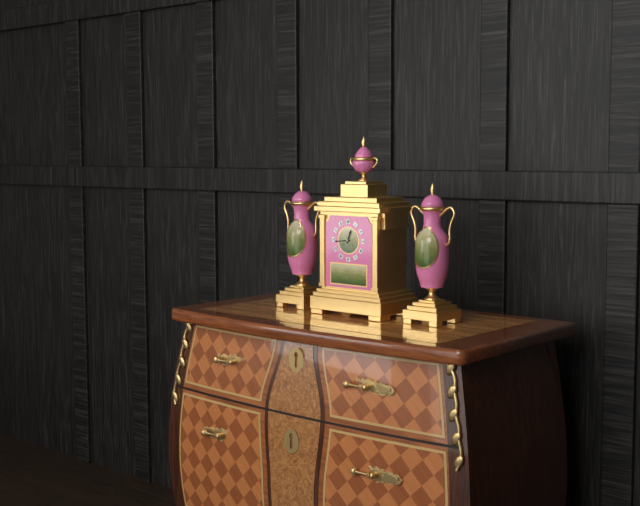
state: 12:44
